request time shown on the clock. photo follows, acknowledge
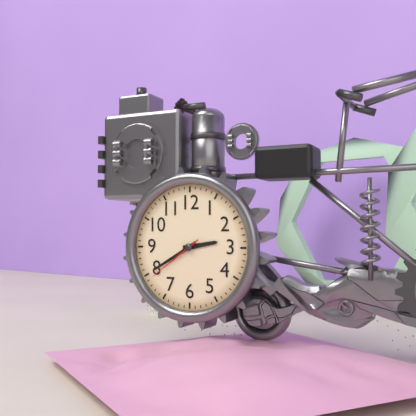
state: 2:40:39
